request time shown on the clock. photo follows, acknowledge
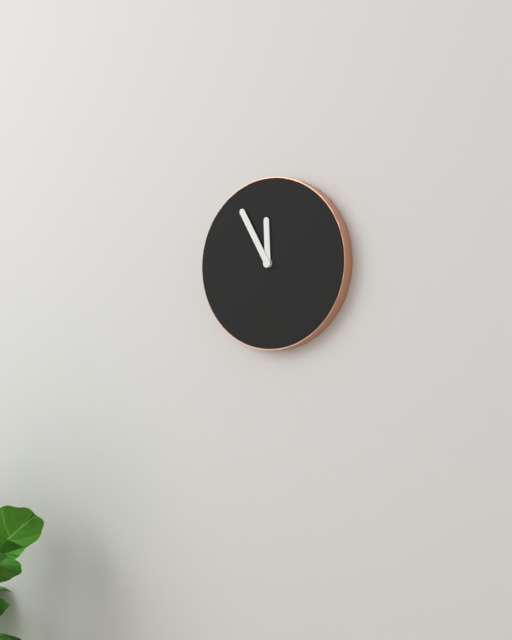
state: 11:55
